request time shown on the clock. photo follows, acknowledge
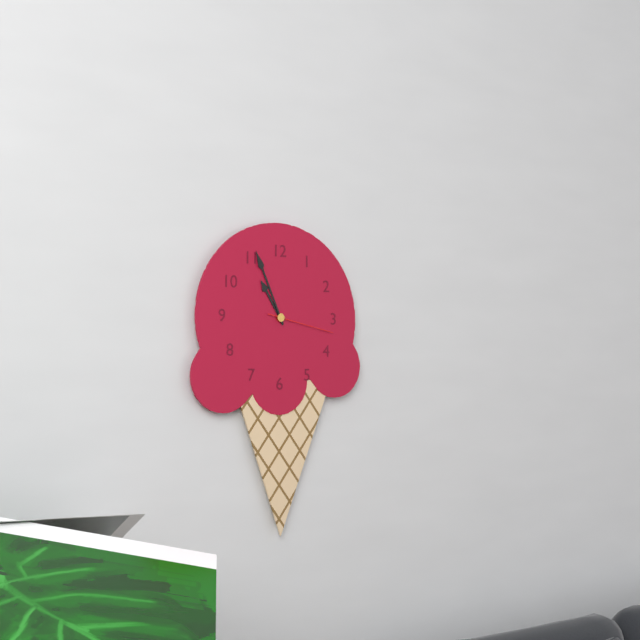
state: 10:56:17
